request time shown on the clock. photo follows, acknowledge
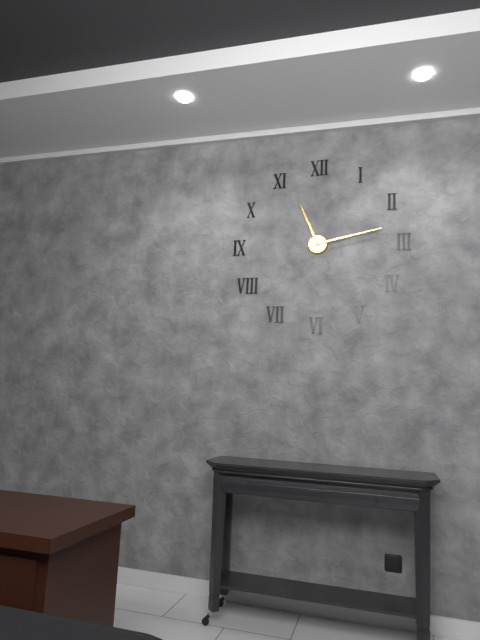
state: 11:13
